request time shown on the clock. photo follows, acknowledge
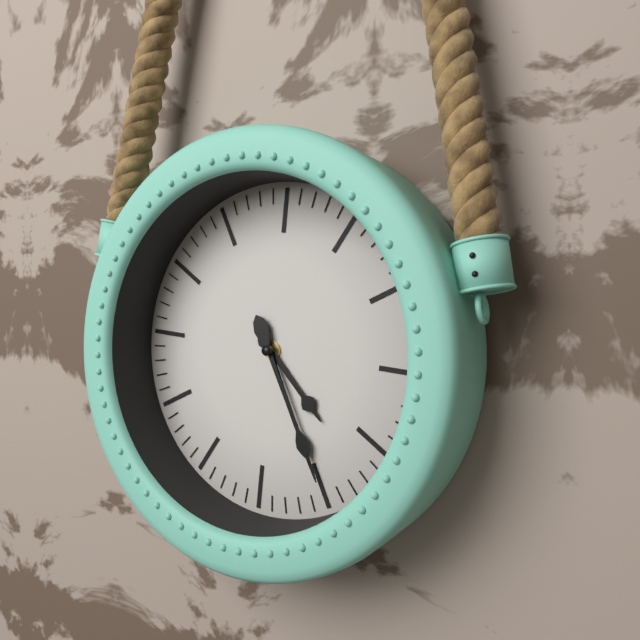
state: 4:25
